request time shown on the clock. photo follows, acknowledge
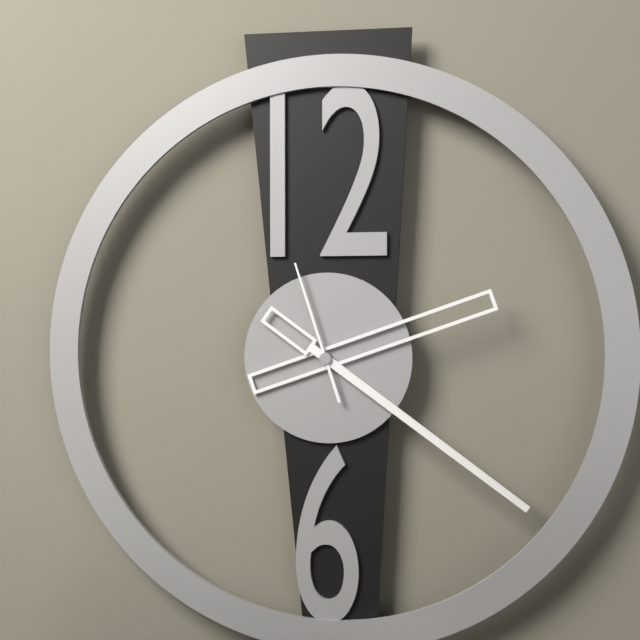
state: 2:21:57
